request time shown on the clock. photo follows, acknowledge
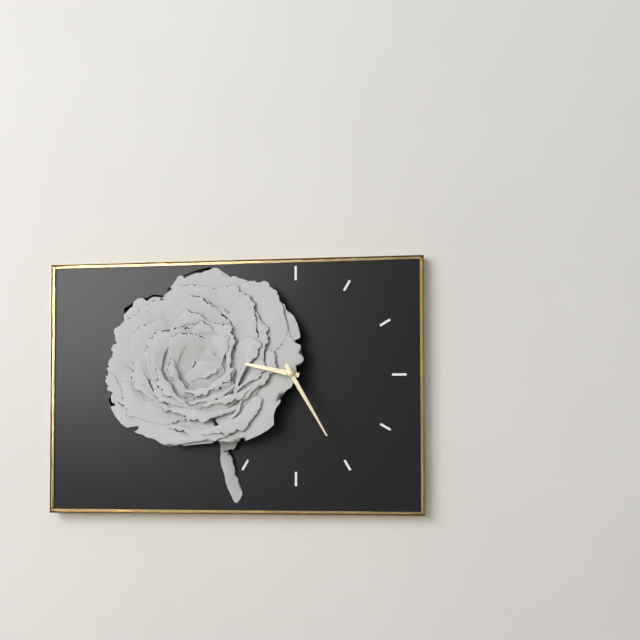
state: 9:25
